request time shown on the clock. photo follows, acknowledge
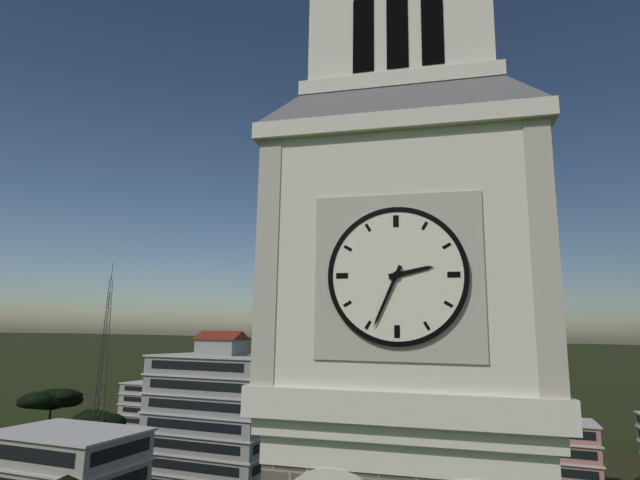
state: 2:34
